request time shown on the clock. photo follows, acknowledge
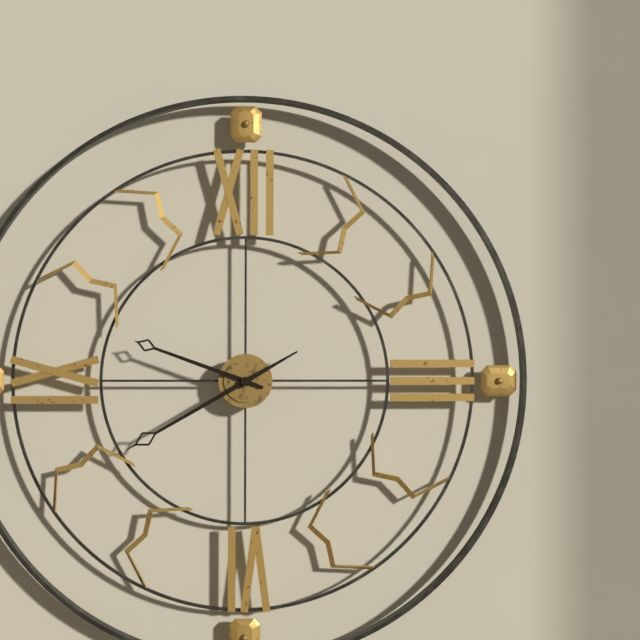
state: 9:40
